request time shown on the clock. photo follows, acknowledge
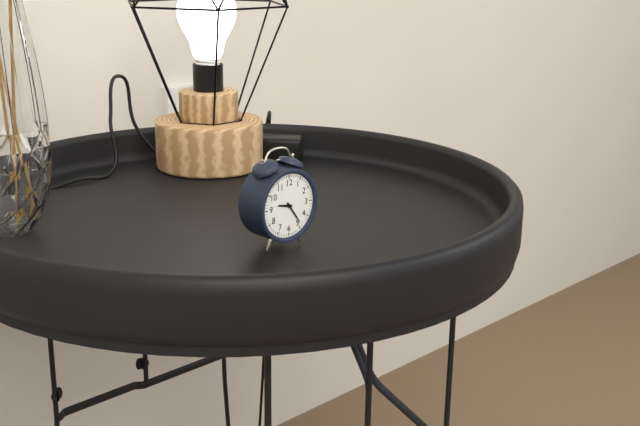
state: 9:24
